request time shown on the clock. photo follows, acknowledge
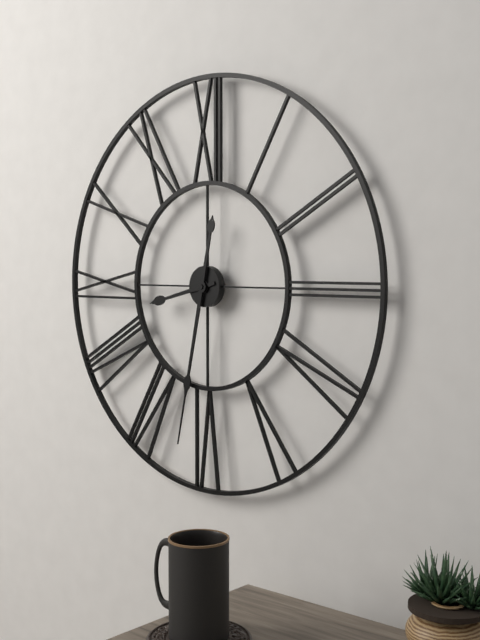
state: 8:32
